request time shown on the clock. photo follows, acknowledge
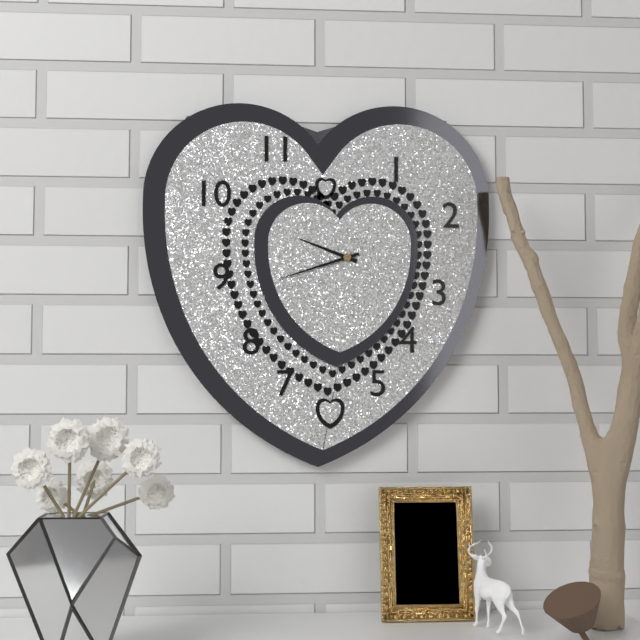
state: 9:42
